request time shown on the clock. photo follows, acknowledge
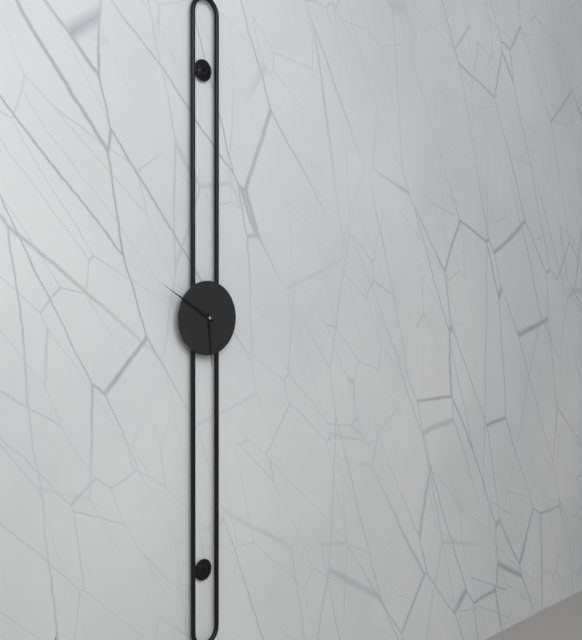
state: 5:50
